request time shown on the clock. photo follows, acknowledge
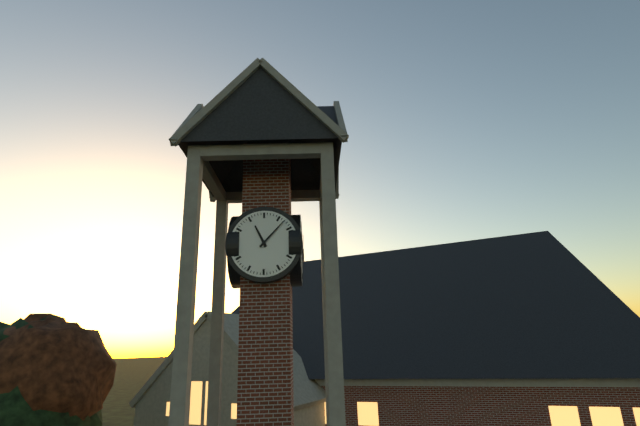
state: 11:07
